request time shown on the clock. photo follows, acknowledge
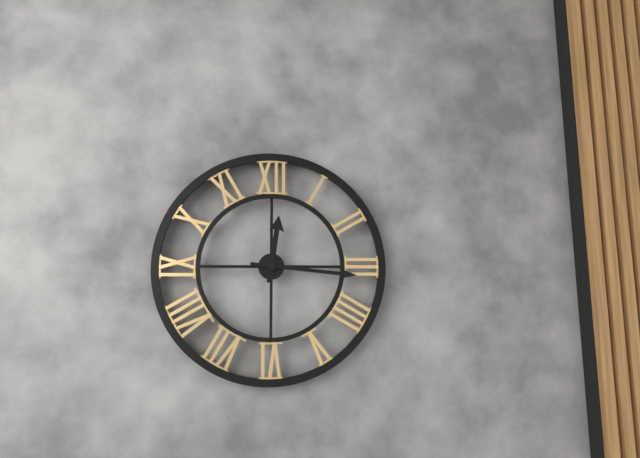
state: 12:16
